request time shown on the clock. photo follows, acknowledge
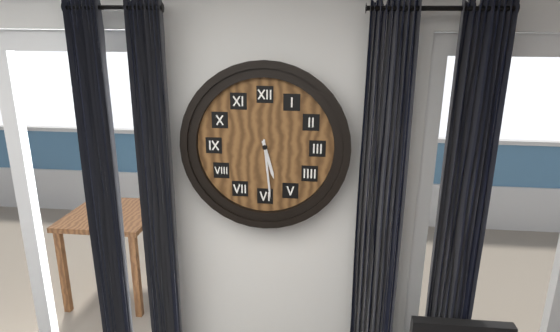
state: 5:29
